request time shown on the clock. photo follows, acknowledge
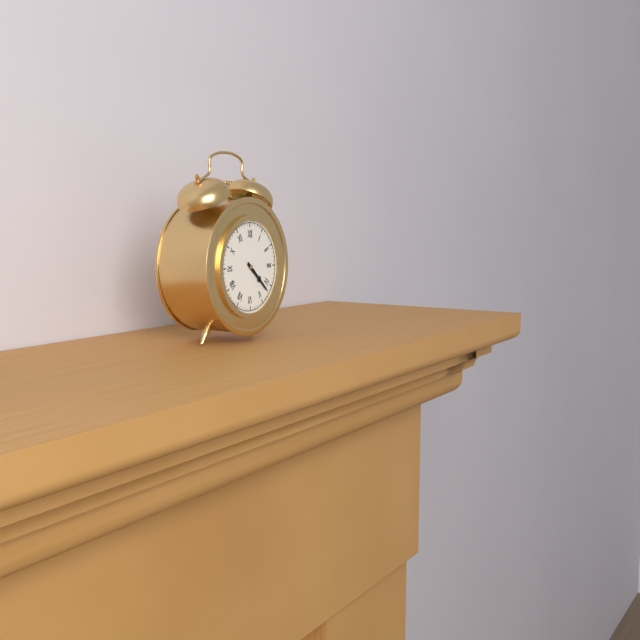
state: 4:22
